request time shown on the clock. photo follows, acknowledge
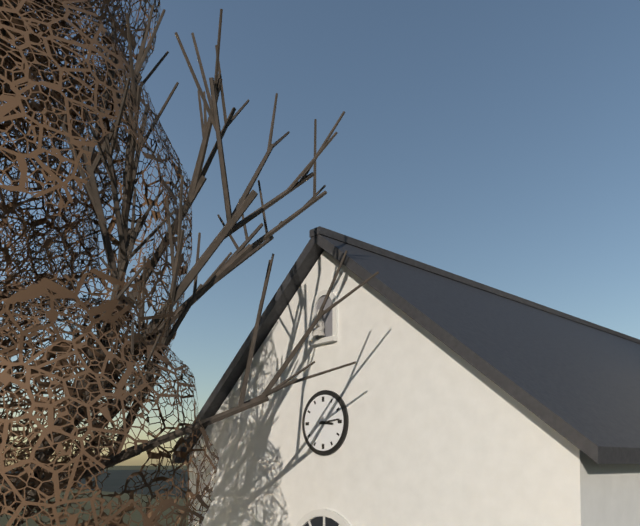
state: 3:14
